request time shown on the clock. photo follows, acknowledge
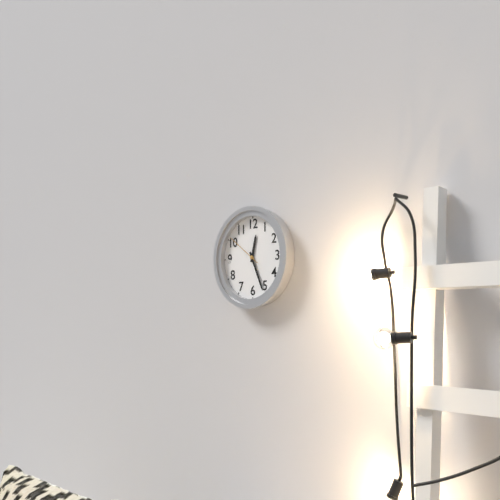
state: 12:26
